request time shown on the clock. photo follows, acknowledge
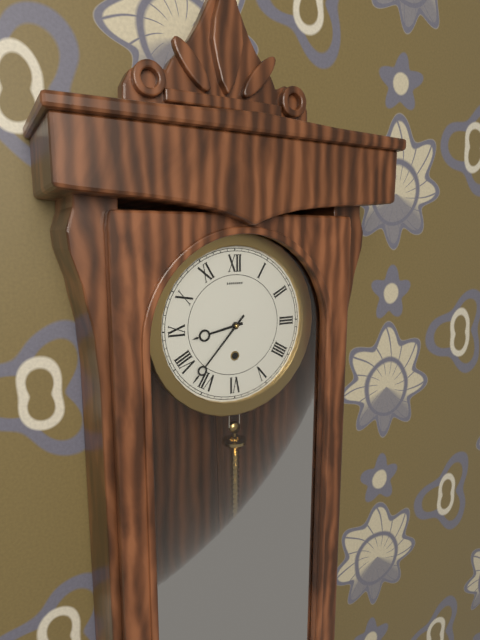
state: 8:37
